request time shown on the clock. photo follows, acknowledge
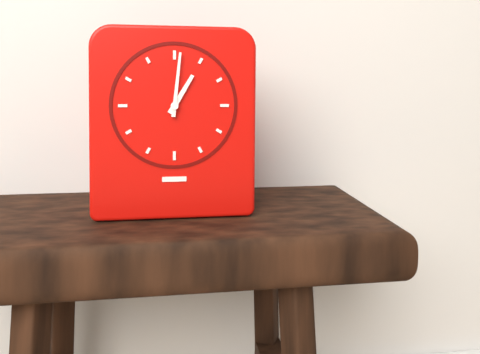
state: 1:01
